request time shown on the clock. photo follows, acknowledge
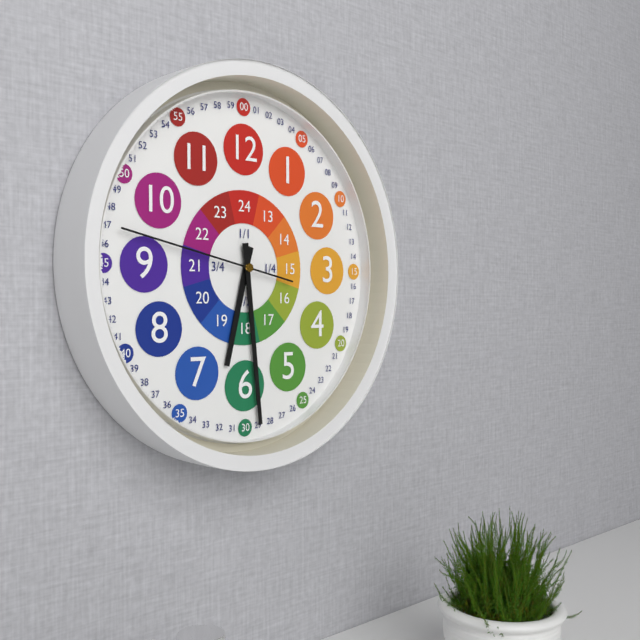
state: 6:29:47
